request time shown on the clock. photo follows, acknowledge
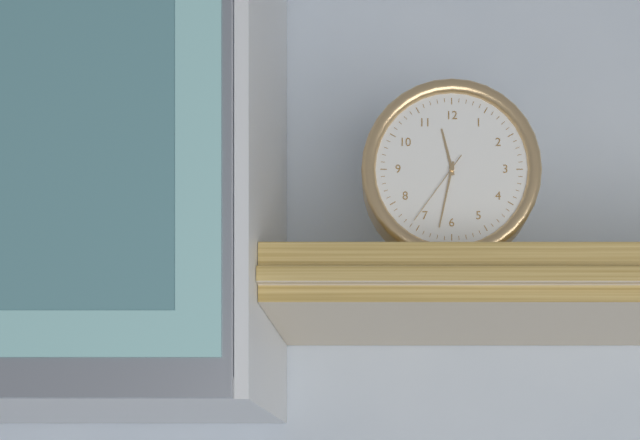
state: 11:32:36
